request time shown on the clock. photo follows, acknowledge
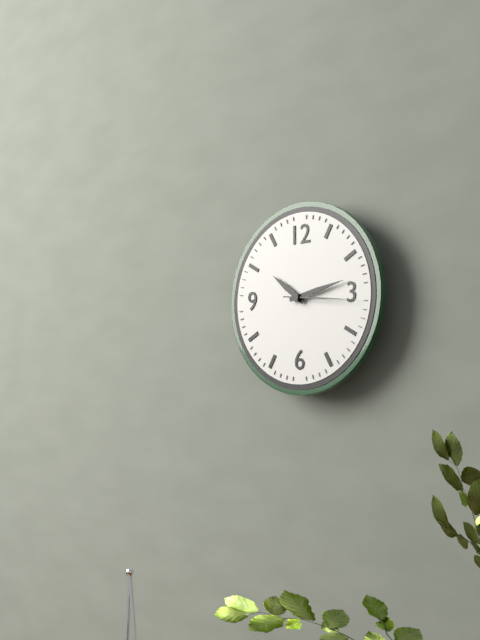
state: 10:13:16
